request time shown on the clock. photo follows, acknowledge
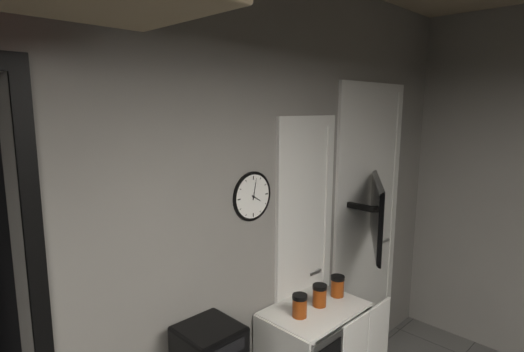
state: 4:02
